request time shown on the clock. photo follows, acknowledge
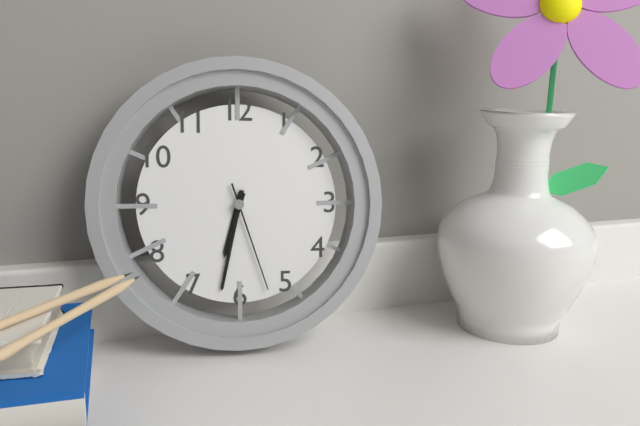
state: 6:32:27
